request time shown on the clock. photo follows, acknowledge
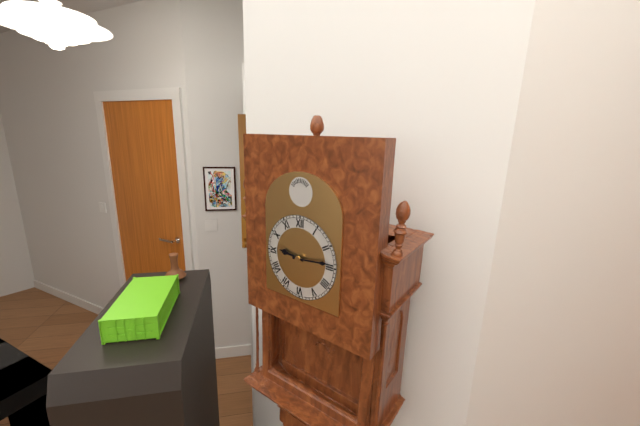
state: 9:14
